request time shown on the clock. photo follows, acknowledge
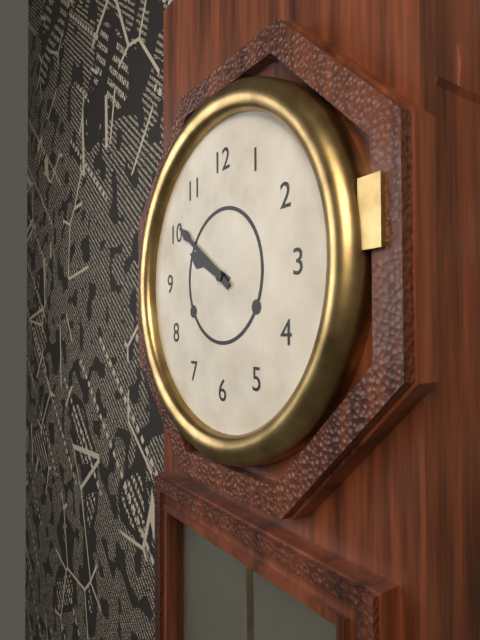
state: 9:51
